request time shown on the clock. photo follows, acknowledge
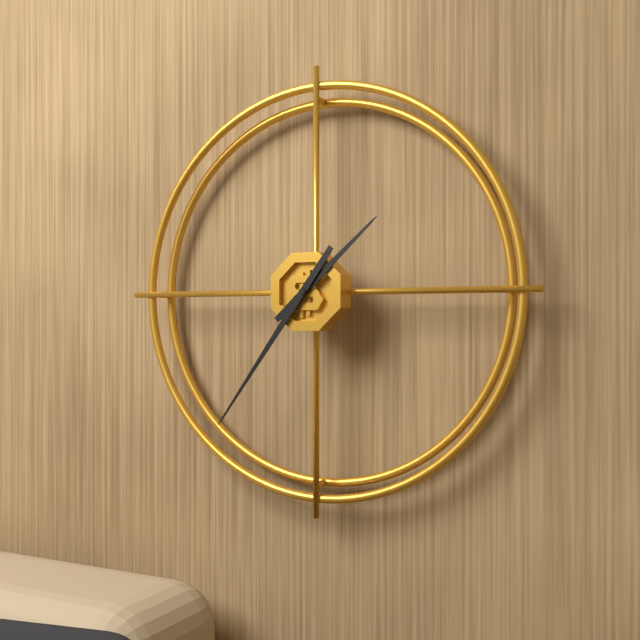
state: 1:36
